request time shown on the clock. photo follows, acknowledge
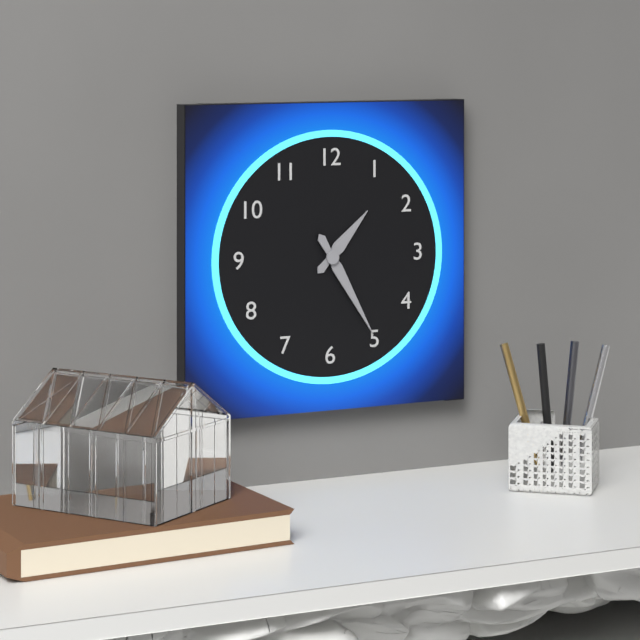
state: 1:25
